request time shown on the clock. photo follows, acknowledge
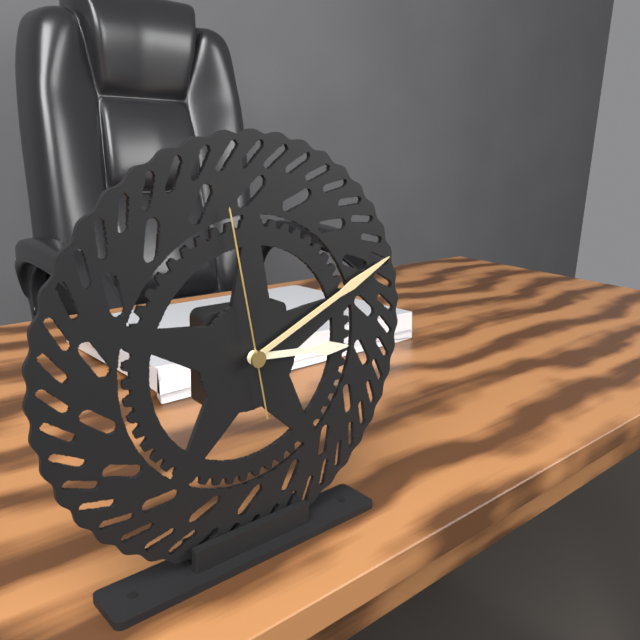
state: 3:11:58
